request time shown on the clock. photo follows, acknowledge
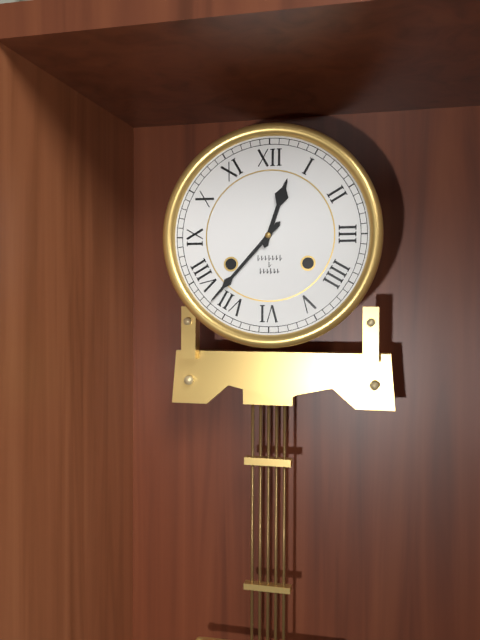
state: 12:37
